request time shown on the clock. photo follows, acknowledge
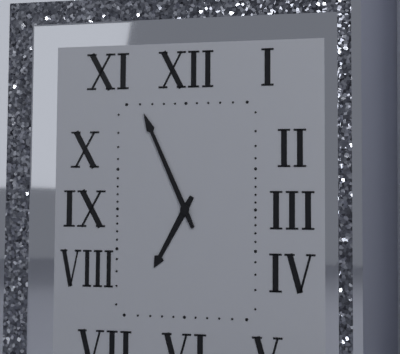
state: 6:56
